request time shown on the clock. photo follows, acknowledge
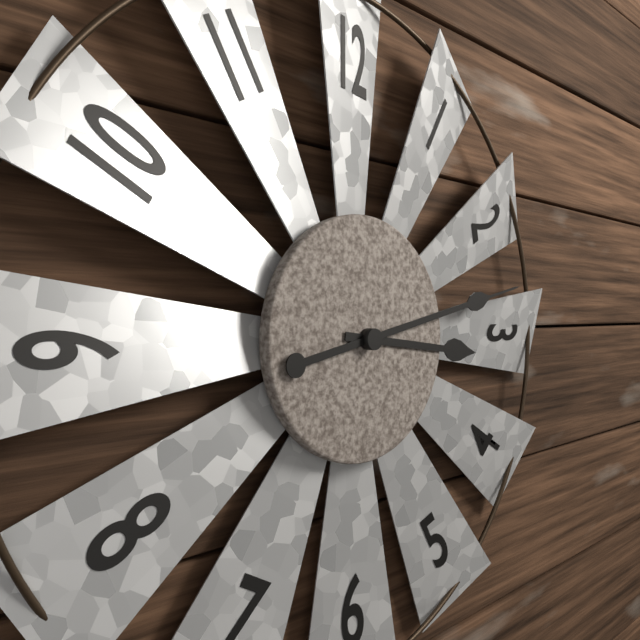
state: 3:13
